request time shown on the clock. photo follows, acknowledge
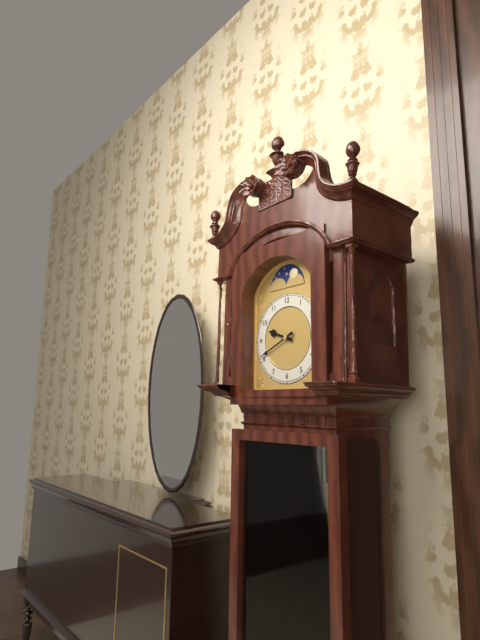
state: 9:41
